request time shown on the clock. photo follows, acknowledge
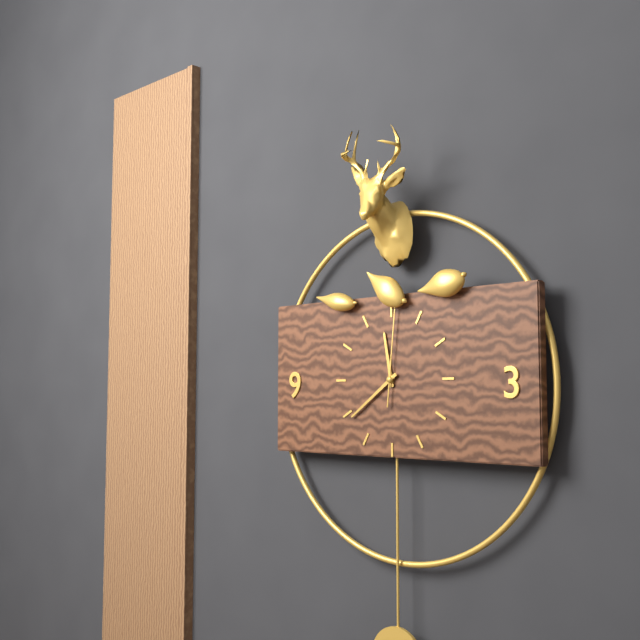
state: 11:39:01
